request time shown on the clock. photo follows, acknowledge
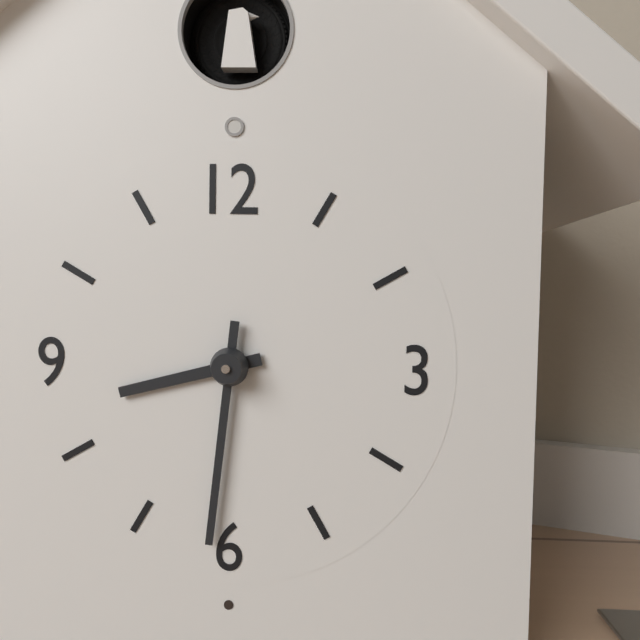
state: 8:31
